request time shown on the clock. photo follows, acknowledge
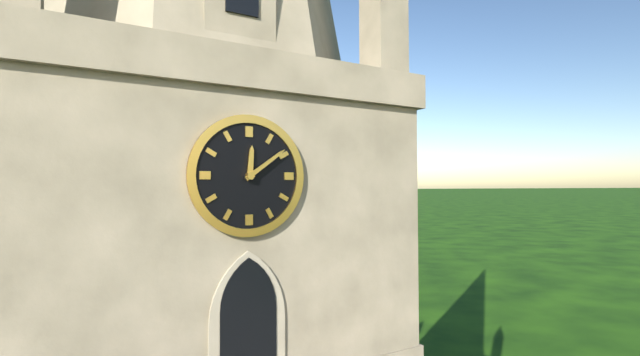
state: 12:09
